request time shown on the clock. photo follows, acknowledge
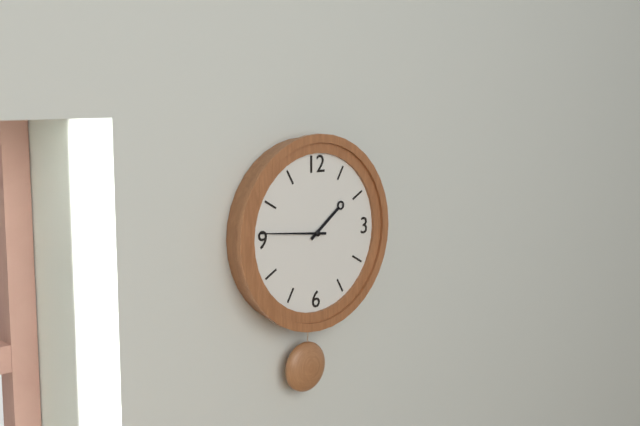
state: 1:46
